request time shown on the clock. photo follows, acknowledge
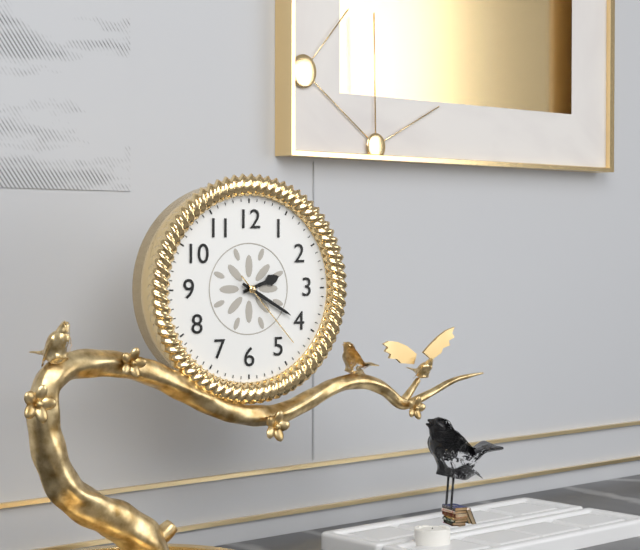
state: 2:20:23
